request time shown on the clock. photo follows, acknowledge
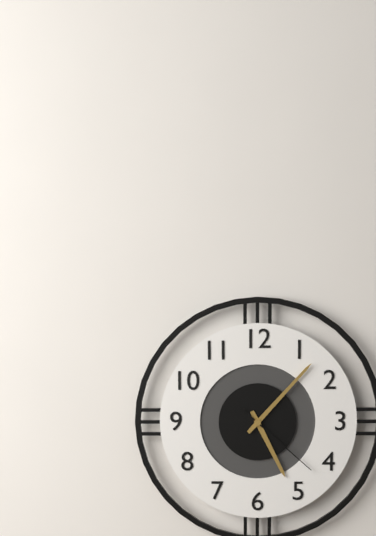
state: 5:07:22
